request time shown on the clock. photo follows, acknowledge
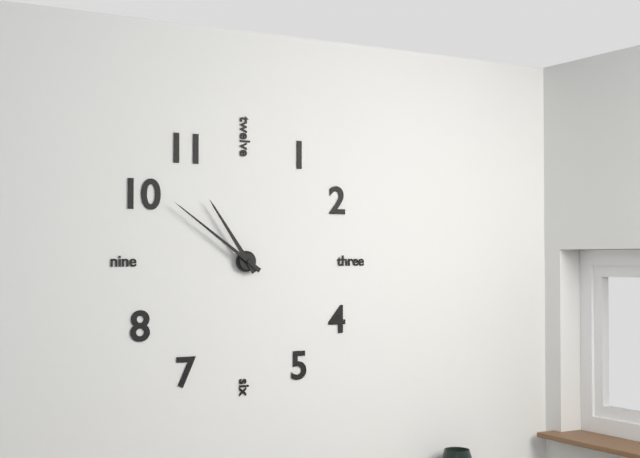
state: 10:51
